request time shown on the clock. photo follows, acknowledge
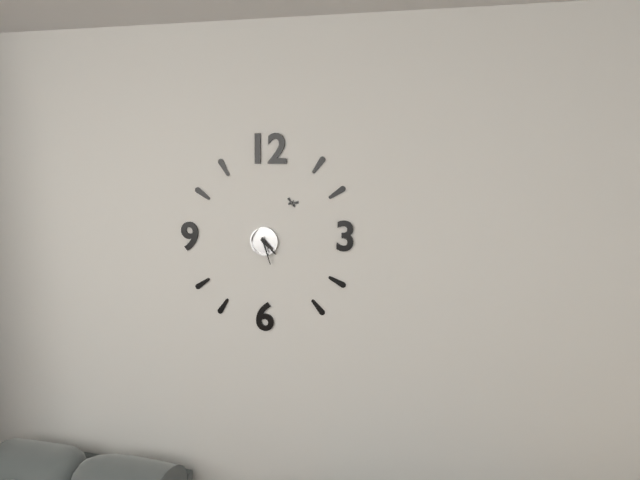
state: 4:27
